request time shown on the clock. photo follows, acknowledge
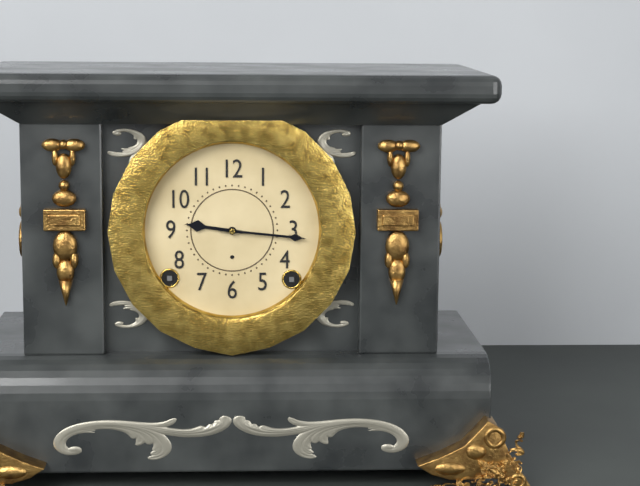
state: 9:16
